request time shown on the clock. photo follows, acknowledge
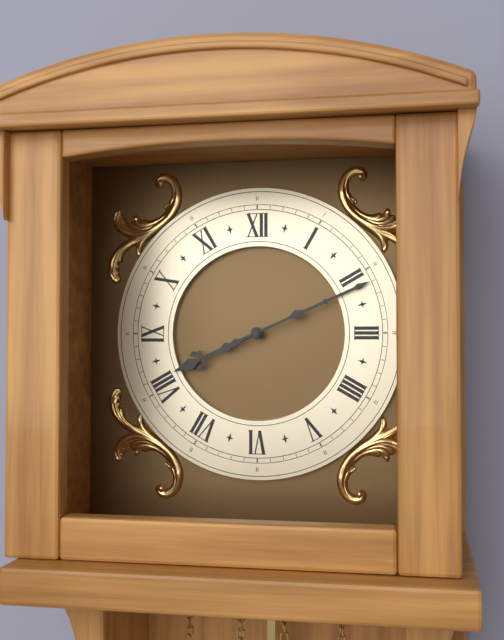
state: 8:11
